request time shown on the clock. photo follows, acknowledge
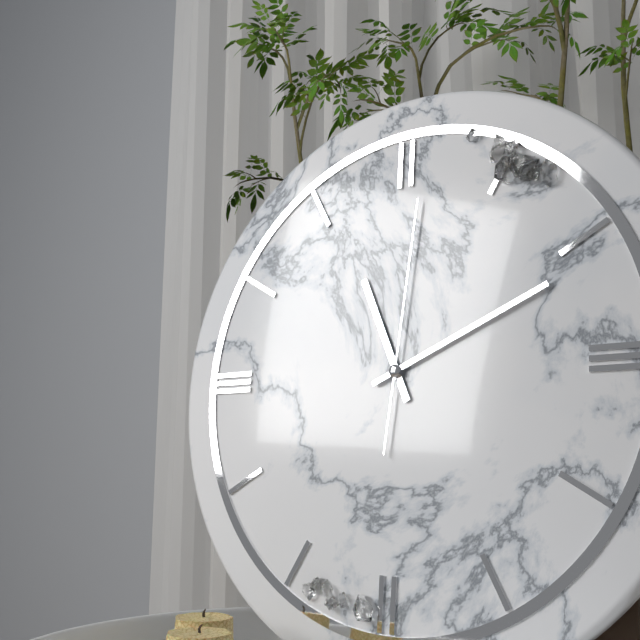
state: 11:11:01
